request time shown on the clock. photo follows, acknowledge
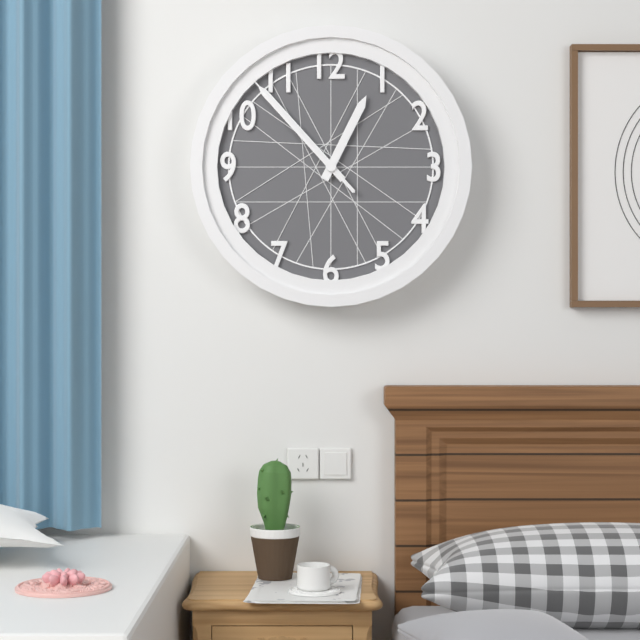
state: 12:53:53
